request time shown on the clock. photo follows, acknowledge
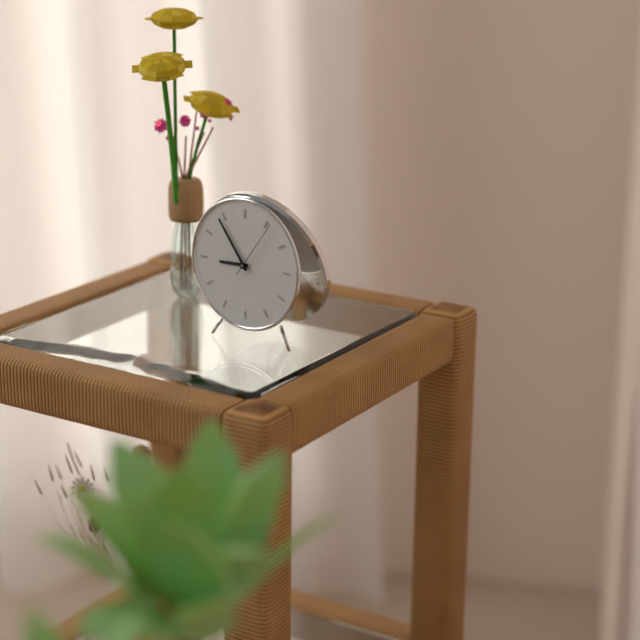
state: 8:54:06
